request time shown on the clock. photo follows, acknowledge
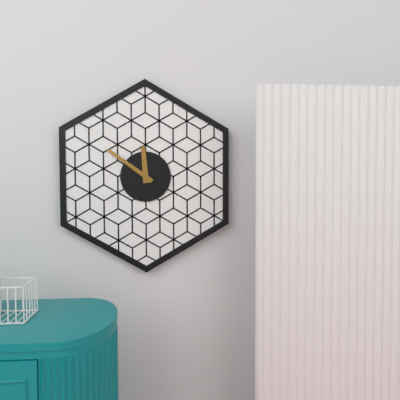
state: 11:51
